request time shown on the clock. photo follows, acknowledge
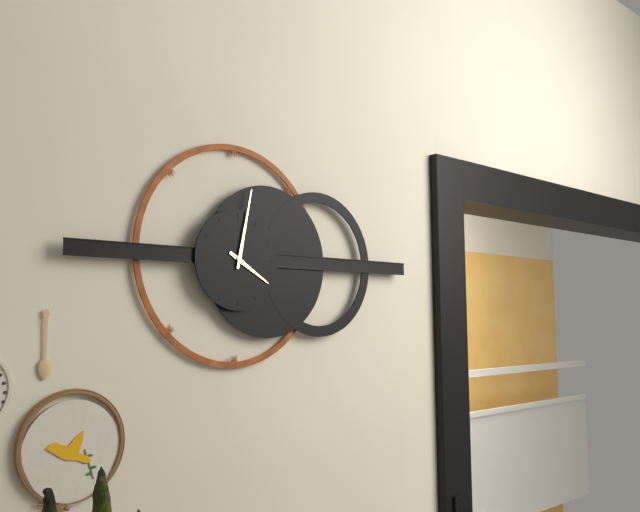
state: 4:02
